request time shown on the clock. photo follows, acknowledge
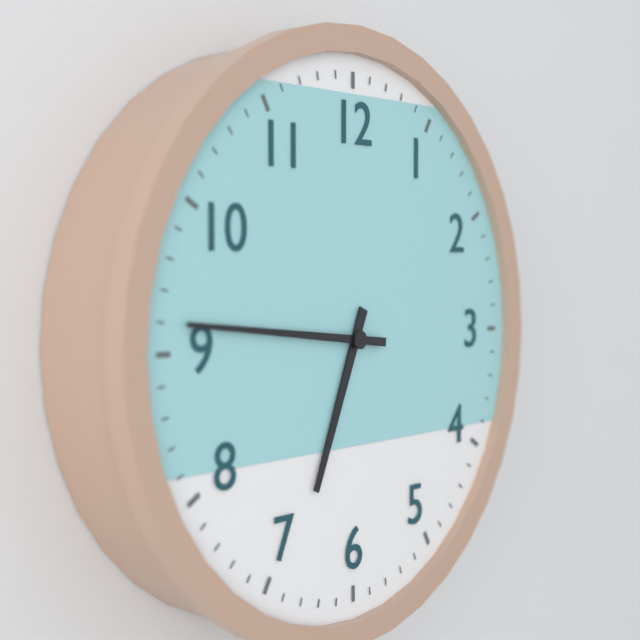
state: 6:46
